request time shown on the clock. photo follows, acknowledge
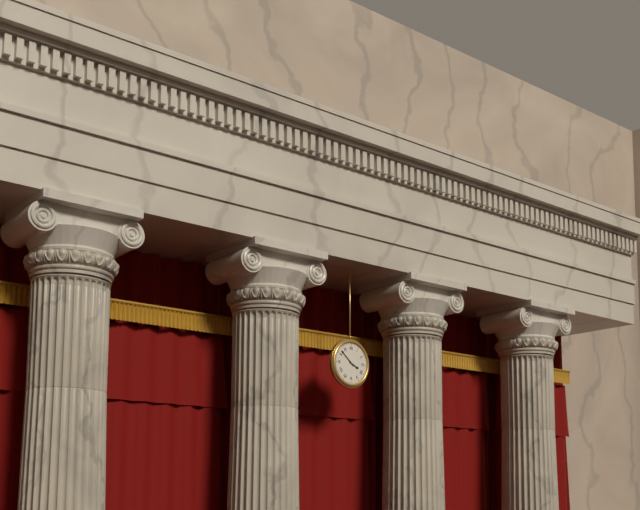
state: 3:52
